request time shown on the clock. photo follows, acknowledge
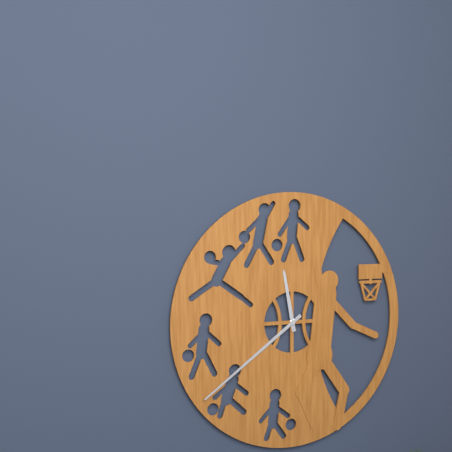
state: 11:39
